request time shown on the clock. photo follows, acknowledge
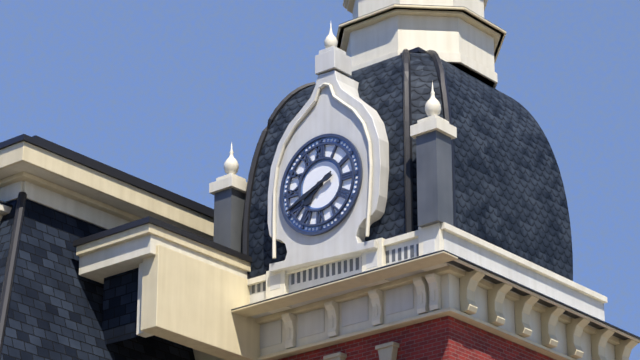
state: 7:41
